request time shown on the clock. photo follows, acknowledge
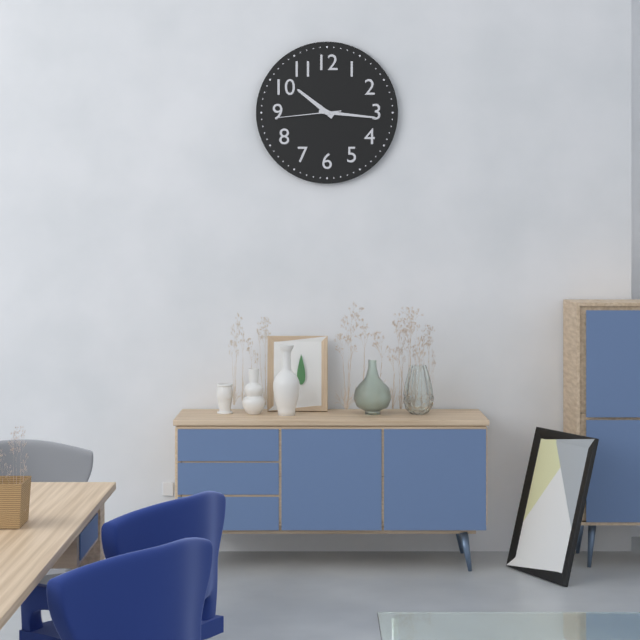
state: 10:16:44
